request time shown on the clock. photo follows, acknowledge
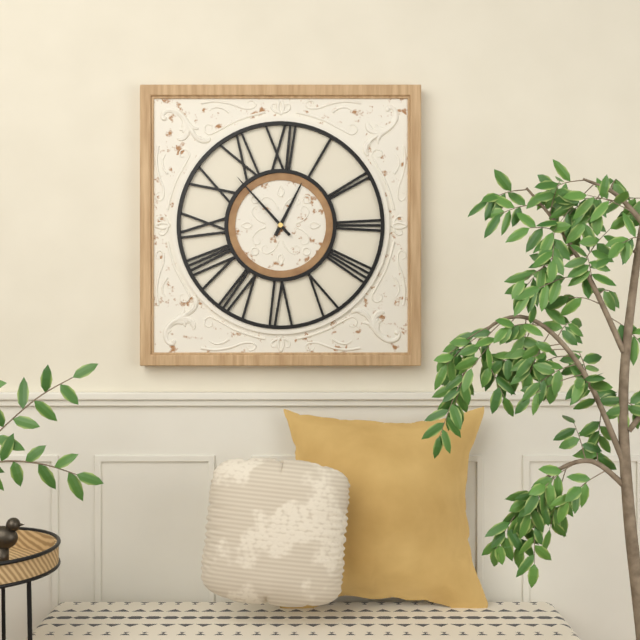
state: 12:53
